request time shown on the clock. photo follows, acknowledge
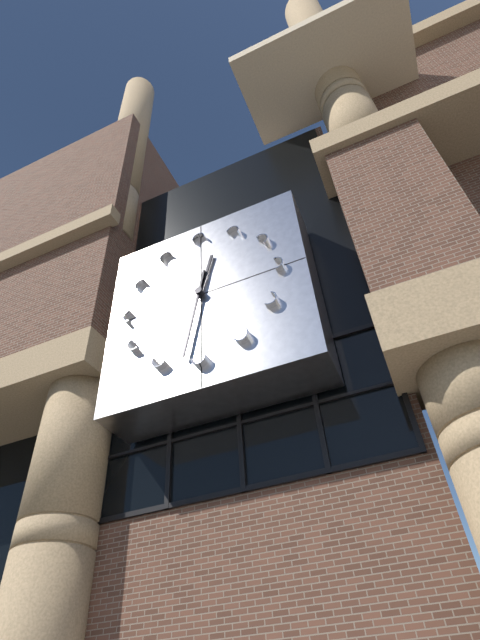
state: 12:32
